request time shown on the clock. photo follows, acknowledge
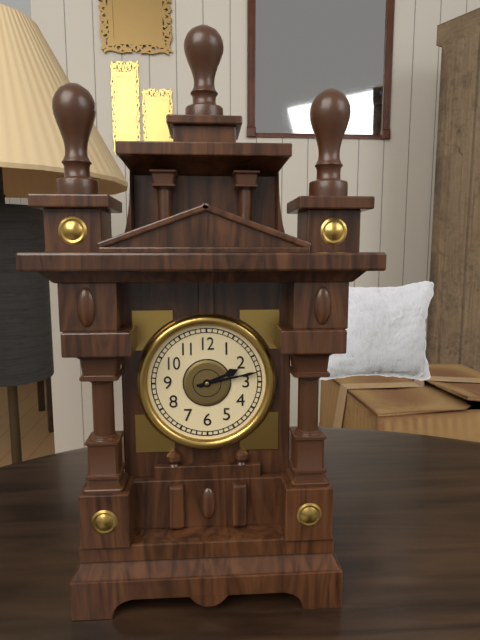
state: 2:13
